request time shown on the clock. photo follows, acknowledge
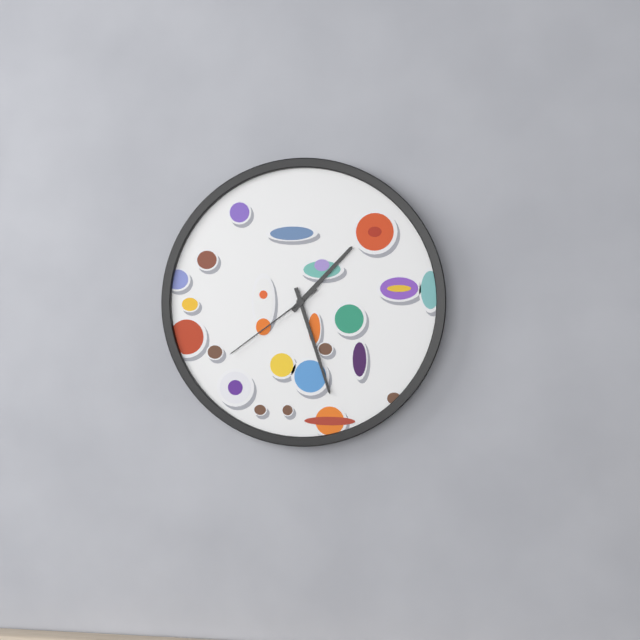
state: 1:27:39
